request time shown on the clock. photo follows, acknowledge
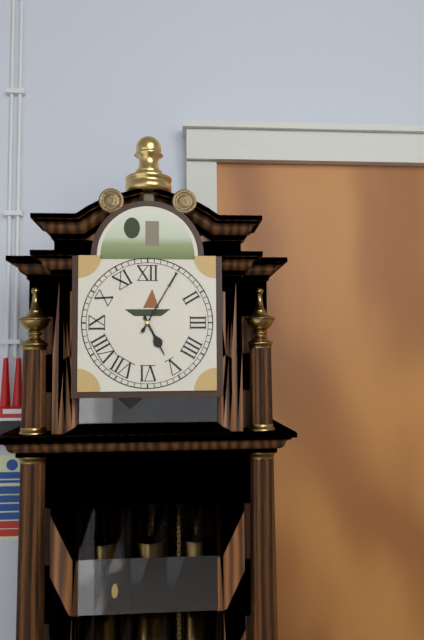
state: 5:05
